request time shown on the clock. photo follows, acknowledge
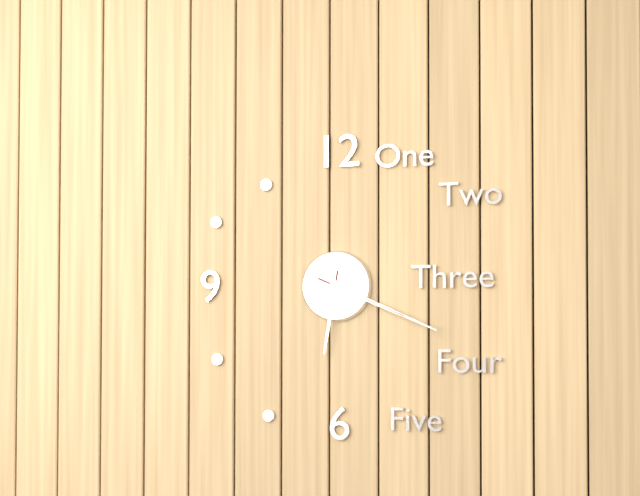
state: 6:19
